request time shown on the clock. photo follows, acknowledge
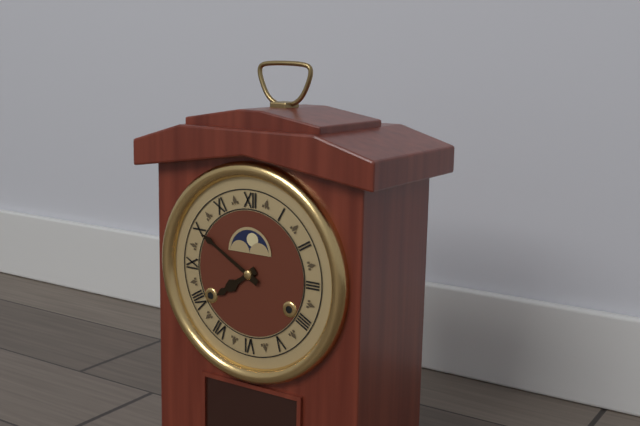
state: 7:50
